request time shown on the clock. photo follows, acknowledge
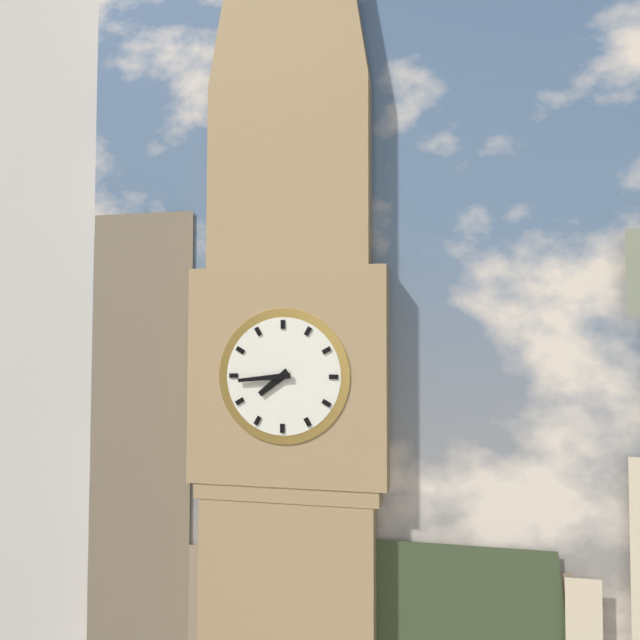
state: 7:44
